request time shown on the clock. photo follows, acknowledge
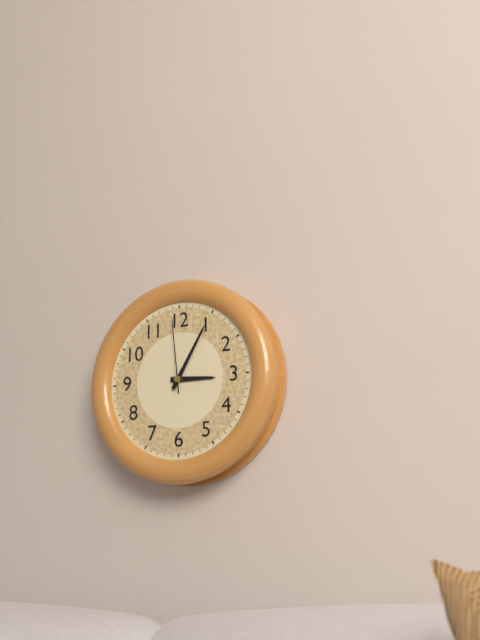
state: 3:05:59
